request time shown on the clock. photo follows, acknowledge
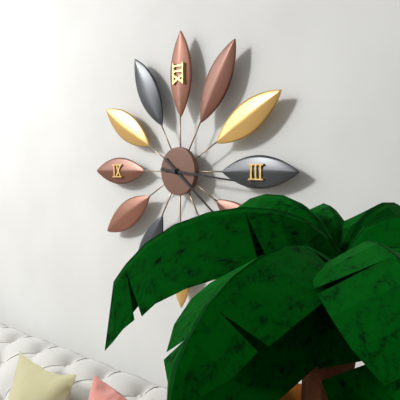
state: 4:16
